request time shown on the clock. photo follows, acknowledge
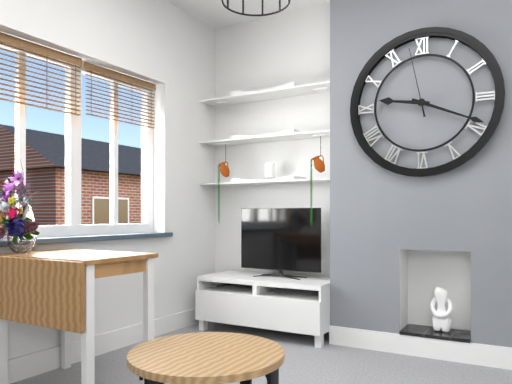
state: 9:19:58
